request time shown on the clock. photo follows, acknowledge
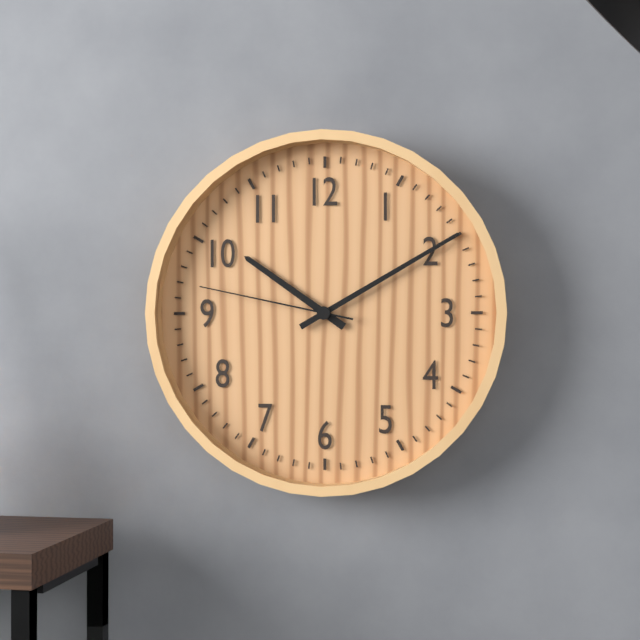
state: 10:10:47
